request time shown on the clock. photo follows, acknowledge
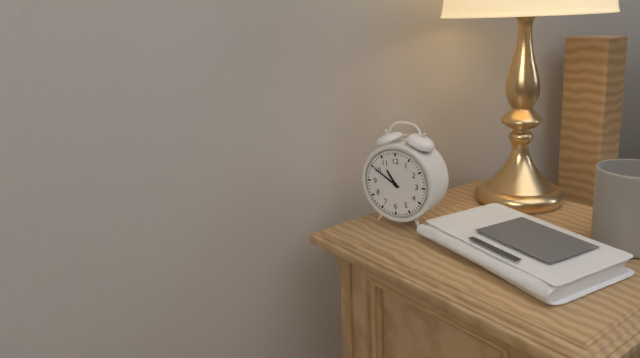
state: 10:50
